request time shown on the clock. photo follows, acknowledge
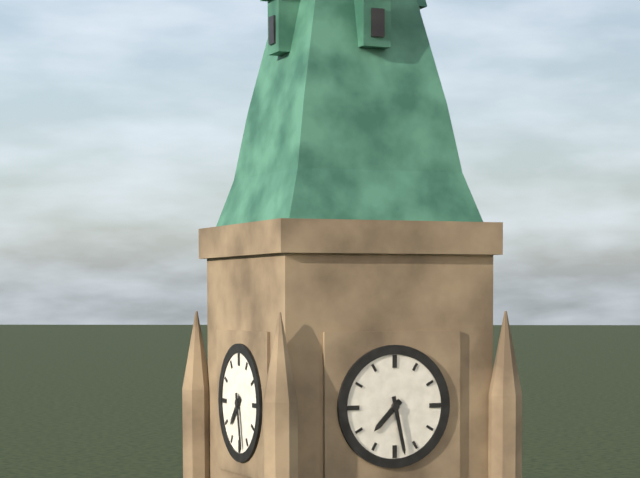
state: 7:28
